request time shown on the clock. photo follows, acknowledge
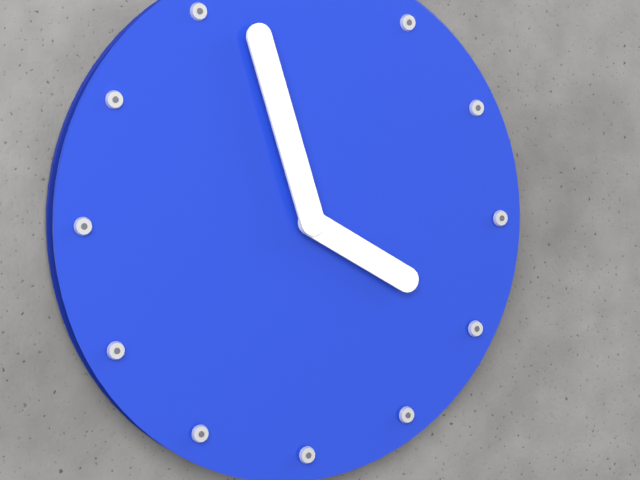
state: 3:57
